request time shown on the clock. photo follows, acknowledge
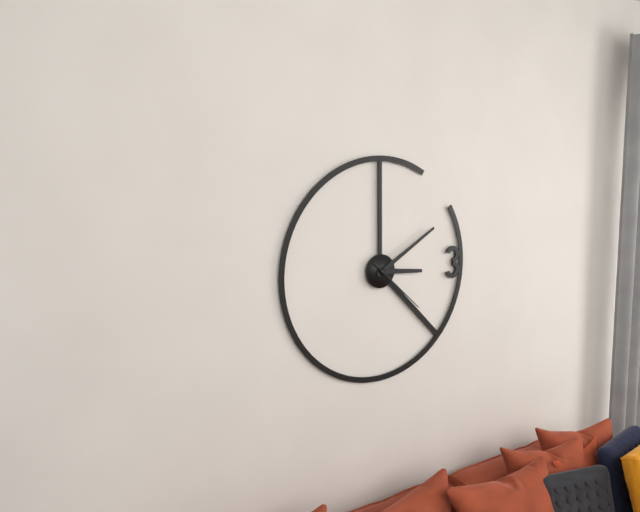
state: 3:10:22
